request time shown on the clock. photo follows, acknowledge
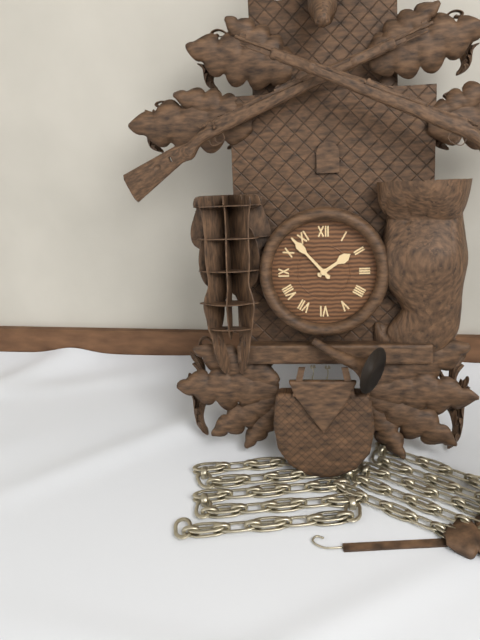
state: 1:53
